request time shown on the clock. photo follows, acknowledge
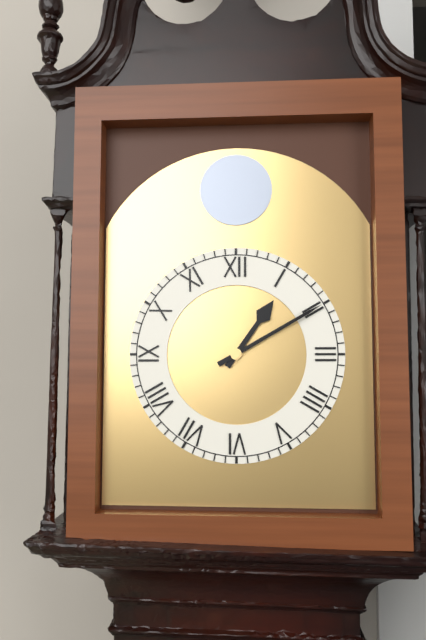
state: 1:10
